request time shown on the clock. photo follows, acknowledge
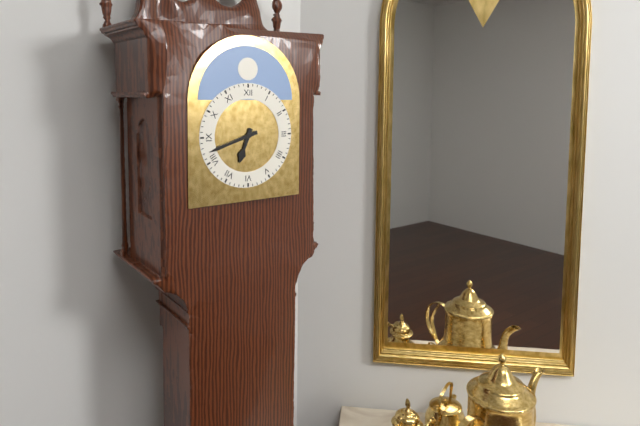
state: 6:42
